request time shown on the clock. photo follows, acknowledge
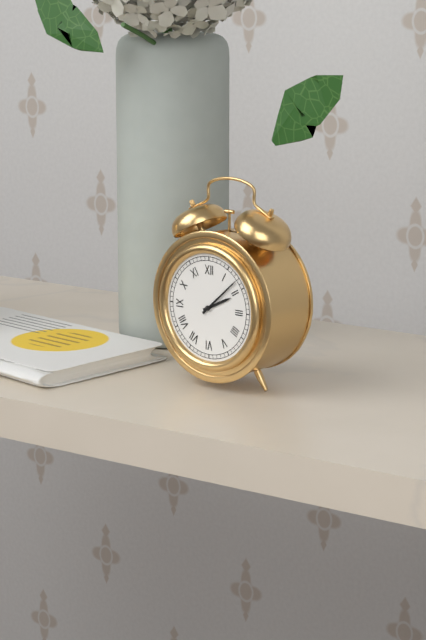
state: 2:08
